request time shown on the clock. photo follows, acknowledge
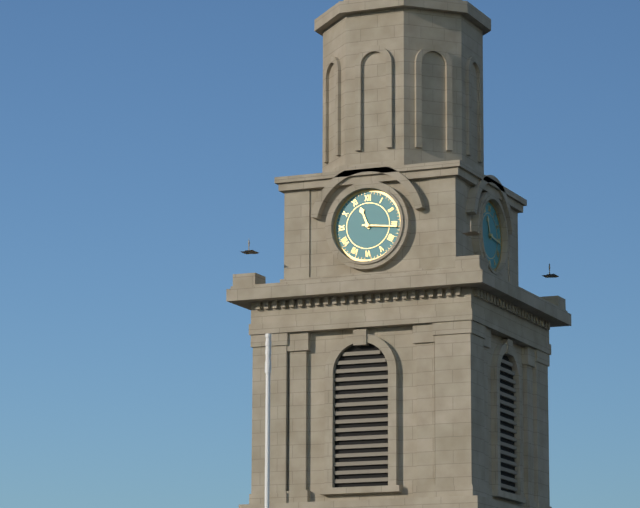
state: 11:16
